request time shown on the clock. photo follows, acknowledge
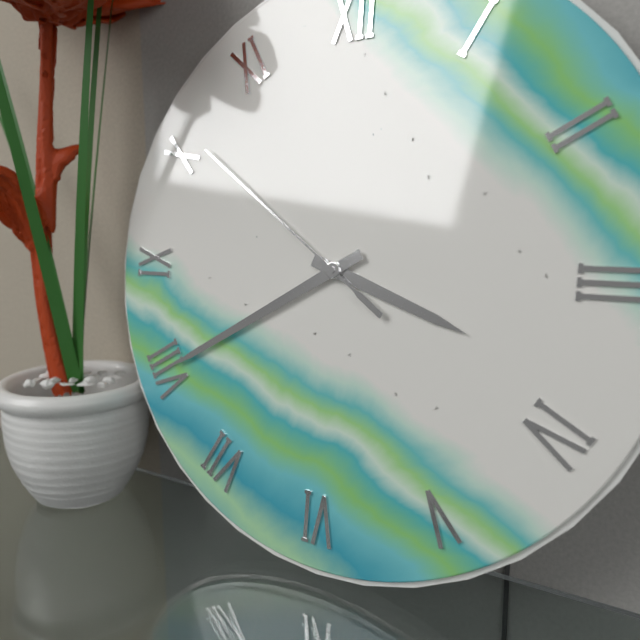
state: 3:40:51
